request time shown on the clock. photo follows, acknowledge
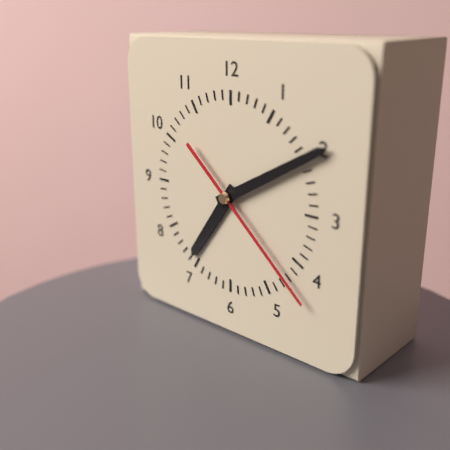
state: 7:10:22
